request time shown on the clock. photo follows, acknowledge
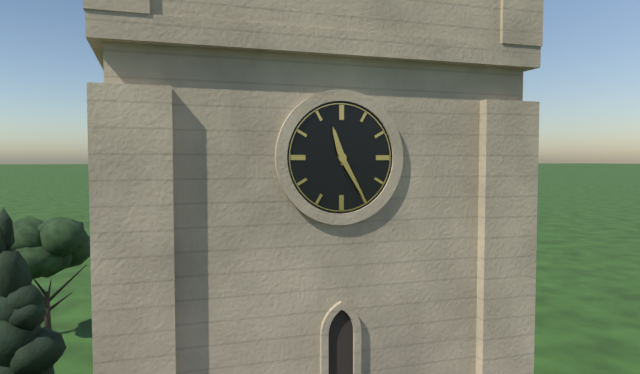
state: 11:25
